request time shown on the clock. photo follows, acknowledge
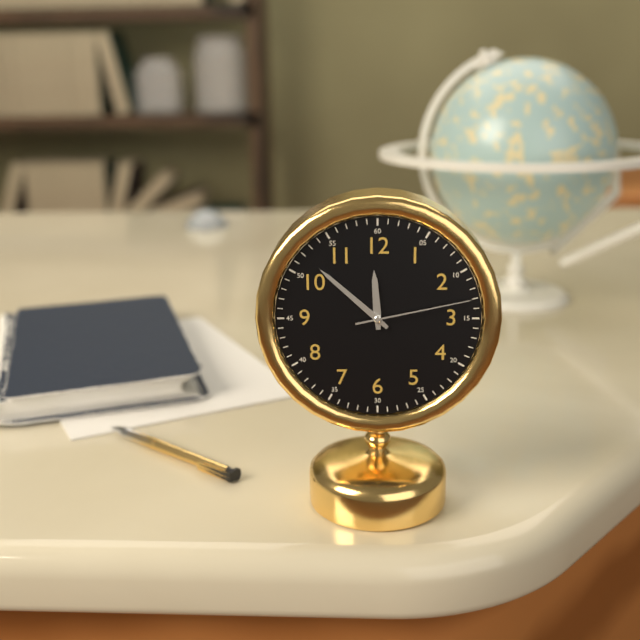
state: 11:52:13
